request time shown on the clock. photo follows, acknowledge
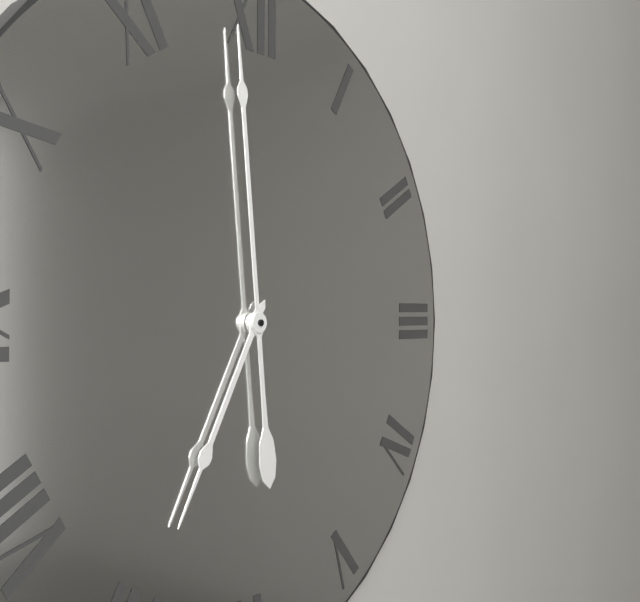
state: 6:59
